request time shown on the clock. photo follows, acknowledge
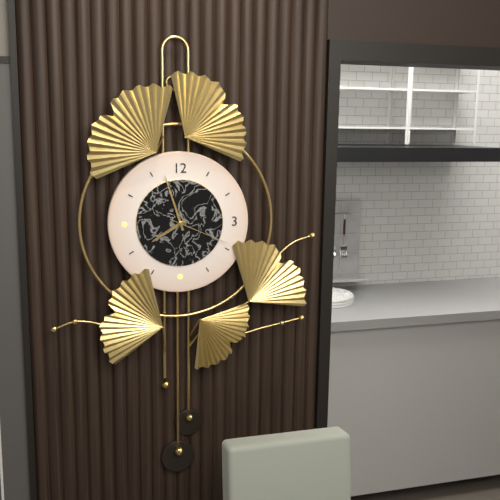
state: 7:57:19
